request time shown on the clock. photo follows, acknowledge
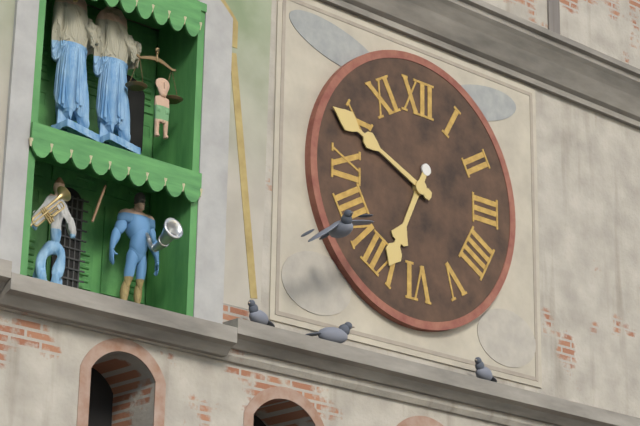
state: 6:49
